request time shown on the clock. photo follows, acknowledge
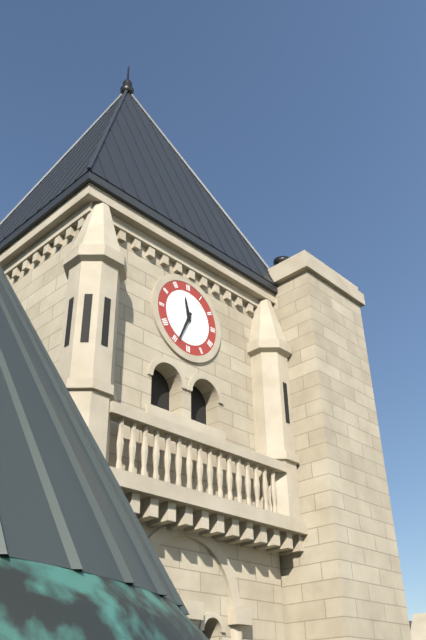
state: 11:34
